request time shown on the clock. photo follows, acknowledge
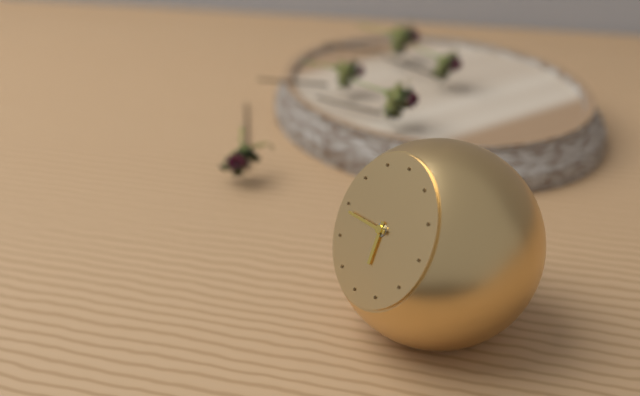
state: 5:44
